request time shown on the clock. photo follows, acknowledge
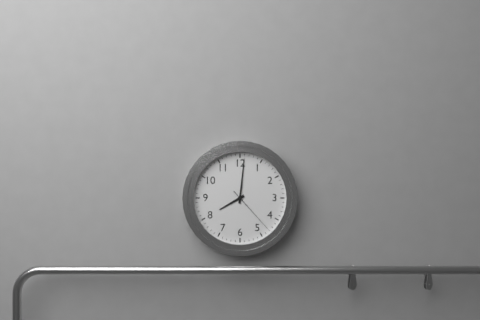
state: 8:01:23
